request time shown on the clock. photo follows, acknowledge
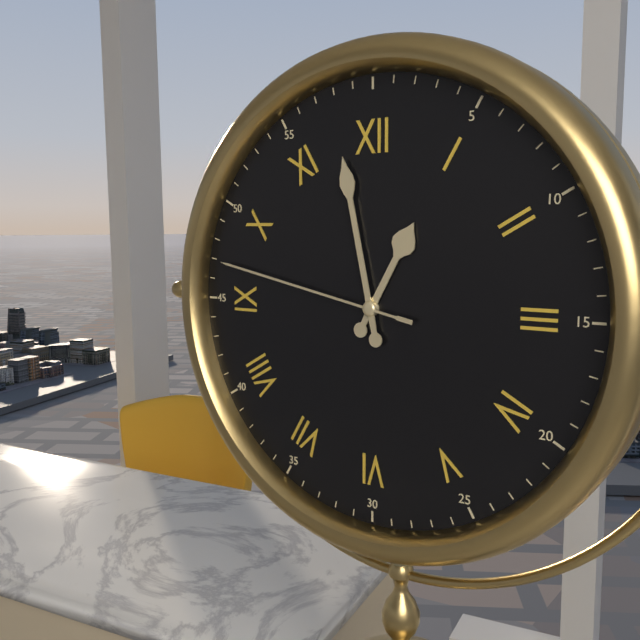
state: 12:58:47
